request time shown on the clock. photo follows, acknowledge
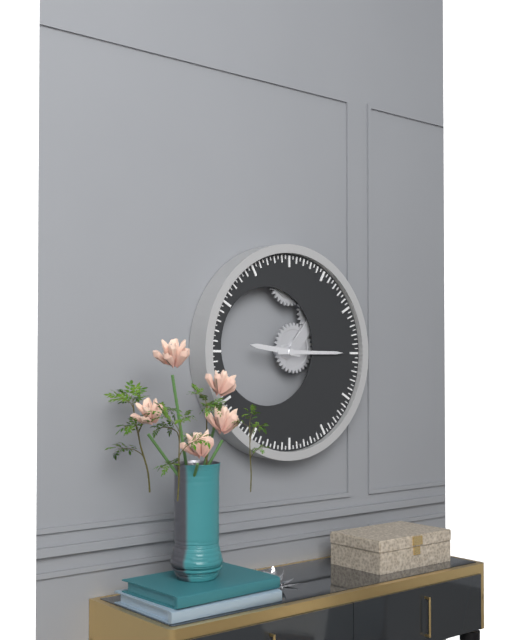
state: 9:15
